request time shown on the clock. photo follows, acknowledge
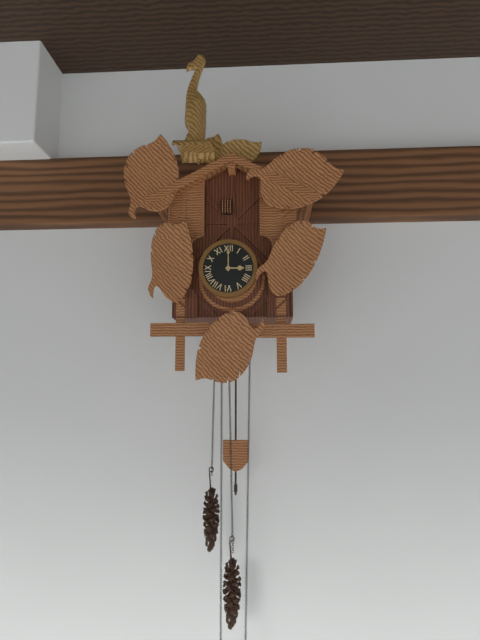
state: 3:00
